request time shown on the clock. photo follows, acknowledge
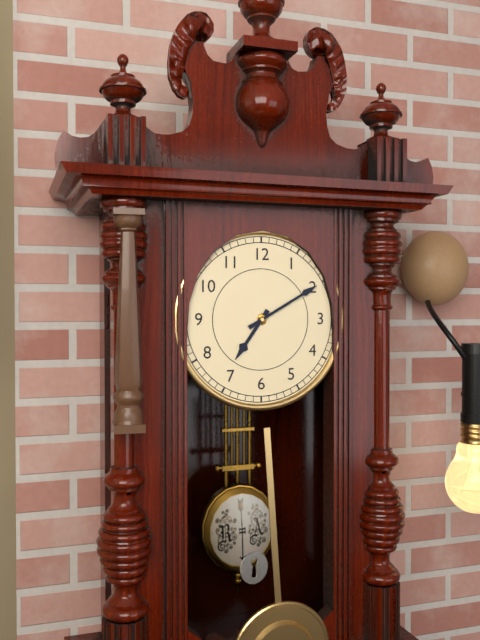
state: 7:10
